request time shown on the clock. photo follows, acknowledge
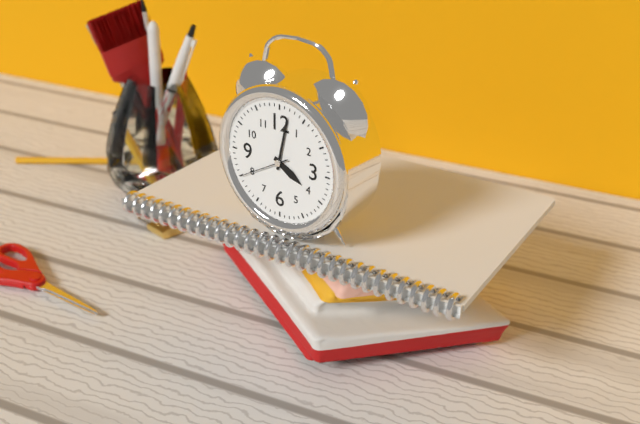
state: 4:02
